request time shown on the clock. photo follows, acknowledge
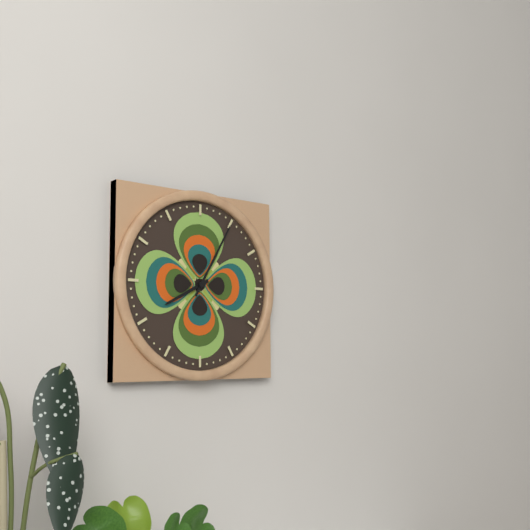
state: 8:05
